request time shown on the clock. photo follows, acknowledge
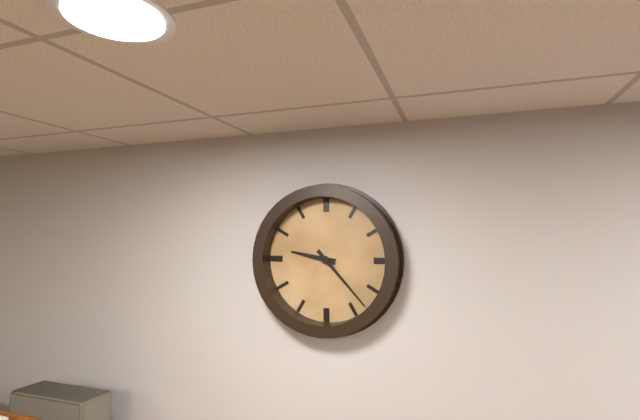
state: 9:23
